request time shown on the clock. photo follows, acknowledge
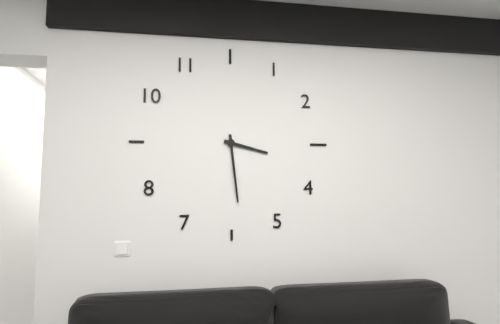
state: 3:29
